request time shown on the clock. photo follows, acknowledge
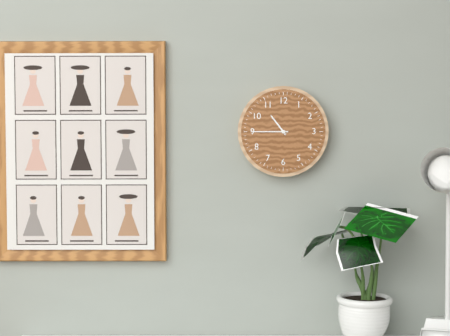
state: 10:45
